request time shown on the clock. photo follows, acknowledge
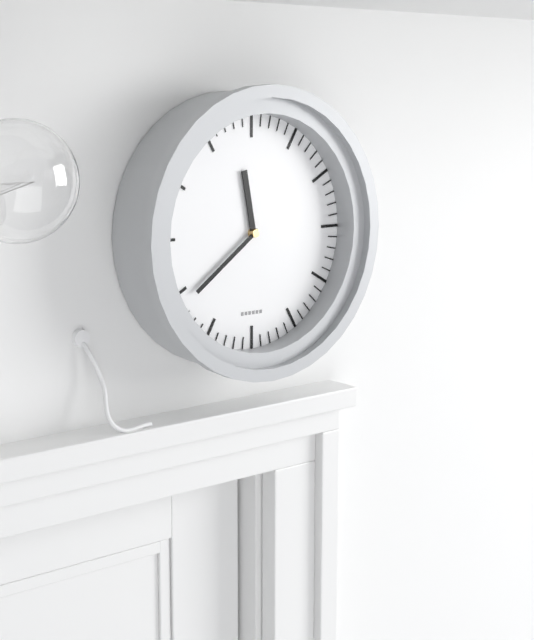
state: 11:39
